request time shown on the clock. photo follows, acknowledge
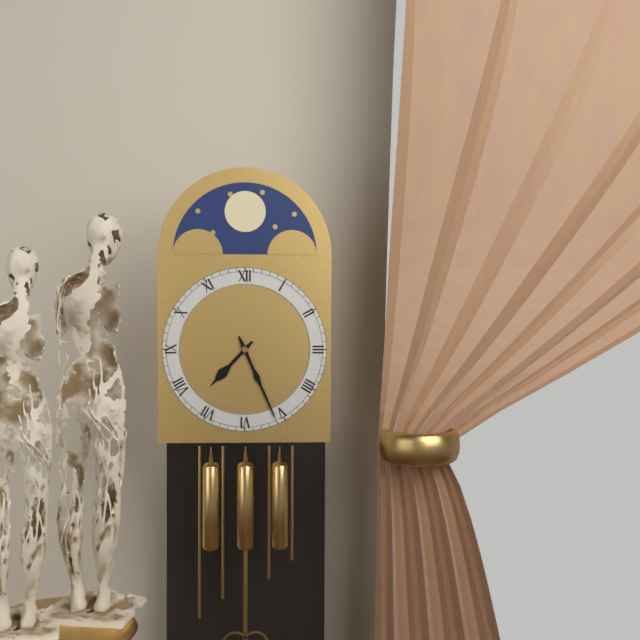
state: 7:26
